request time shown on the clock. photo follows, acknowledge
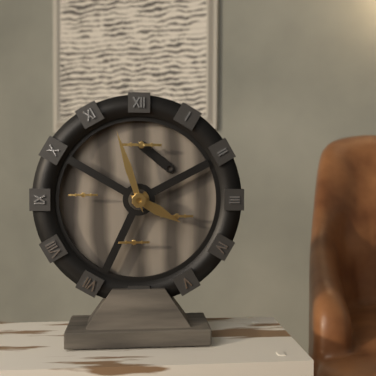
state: 3:57
